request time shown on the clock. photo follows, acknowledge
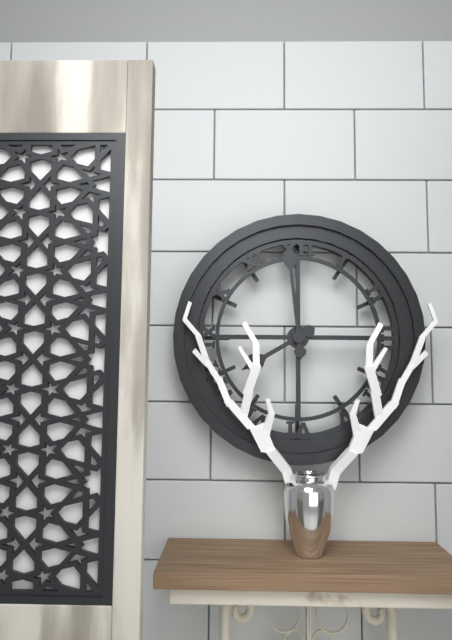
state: 7:59
